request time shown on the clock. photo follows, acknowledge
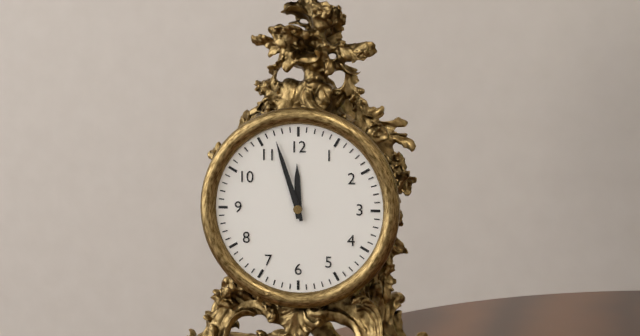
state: 11:57
